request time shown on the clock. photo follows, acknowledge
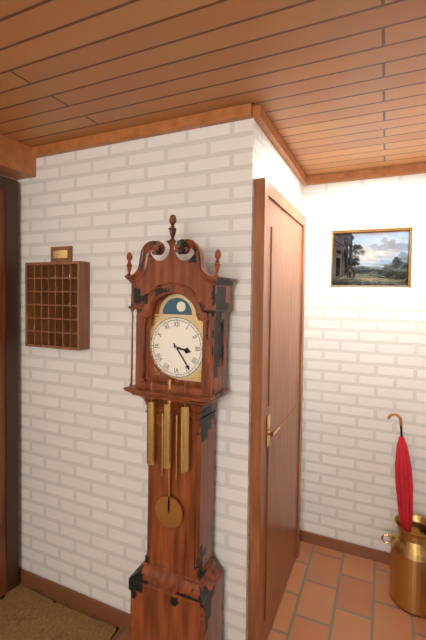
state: 3:24
